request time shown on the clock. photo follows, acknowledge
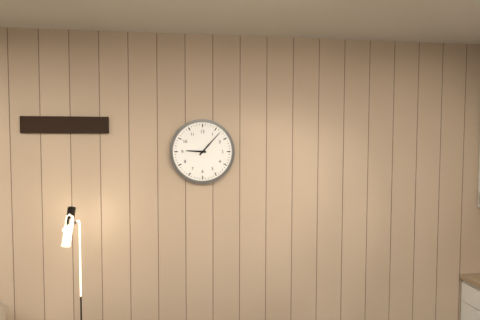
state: 9:07
